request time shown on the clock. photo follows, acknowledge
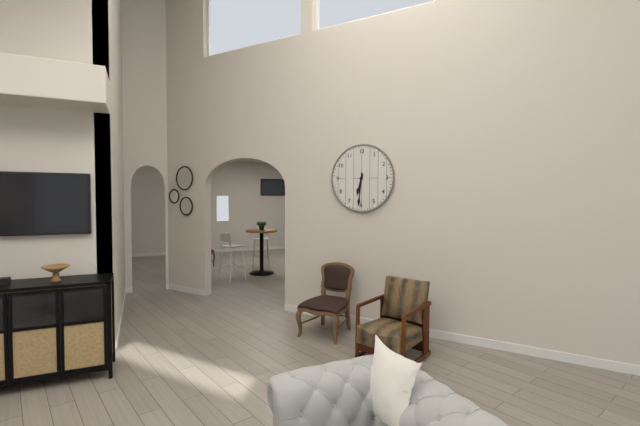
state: 6:31
